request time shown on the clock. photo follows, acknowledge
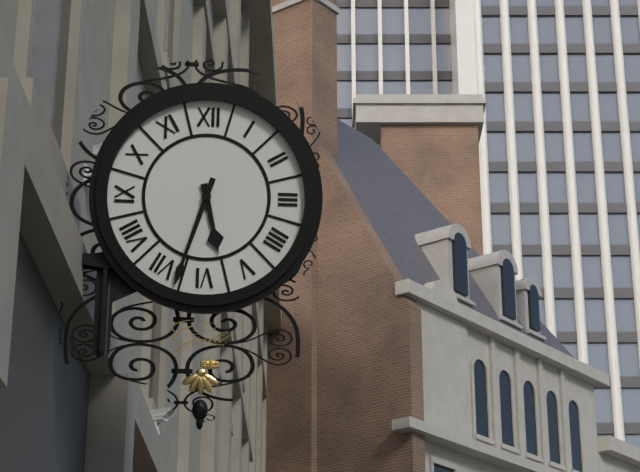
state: 5:33
